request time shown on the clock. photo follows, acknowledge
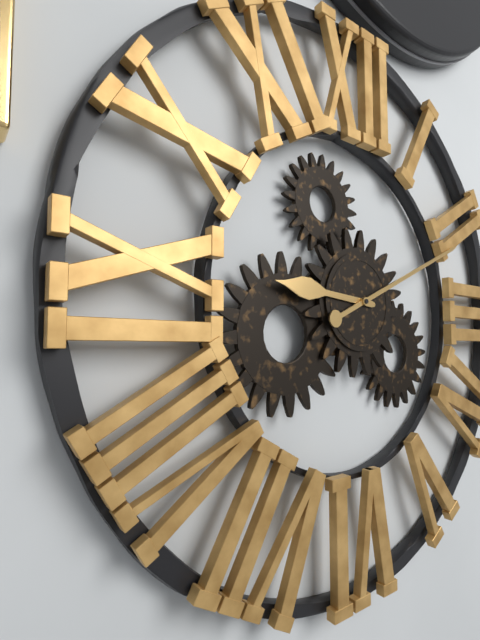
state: 9:11
